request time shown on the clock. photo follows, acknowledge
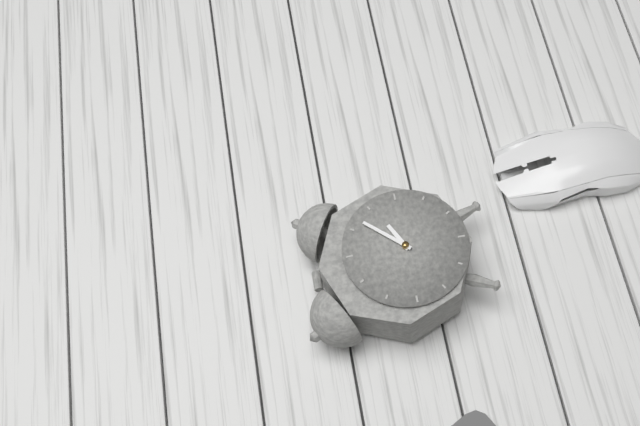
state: 2:07
